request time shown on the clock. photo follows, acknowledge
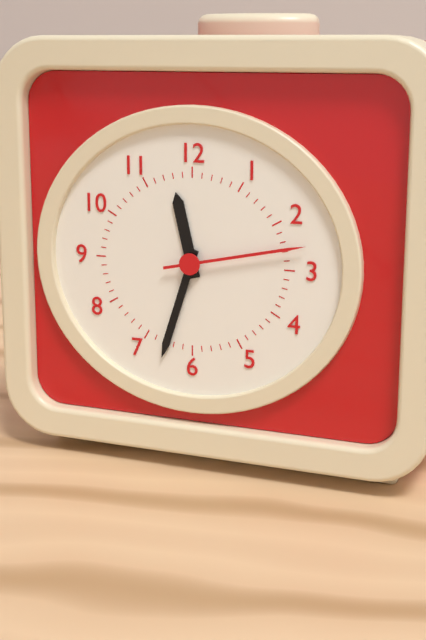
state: 11:33:13
